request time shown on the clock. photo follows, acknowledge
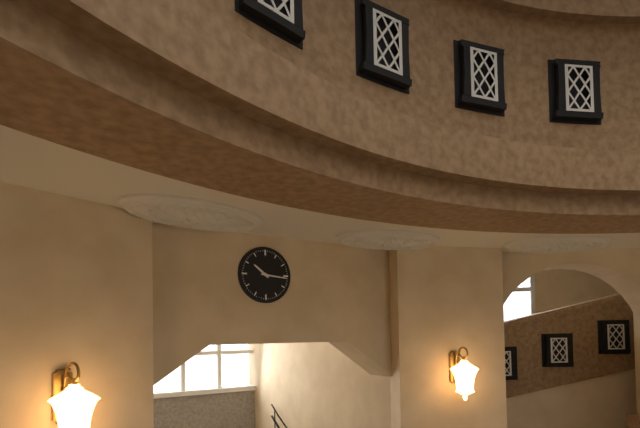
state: 10:16
